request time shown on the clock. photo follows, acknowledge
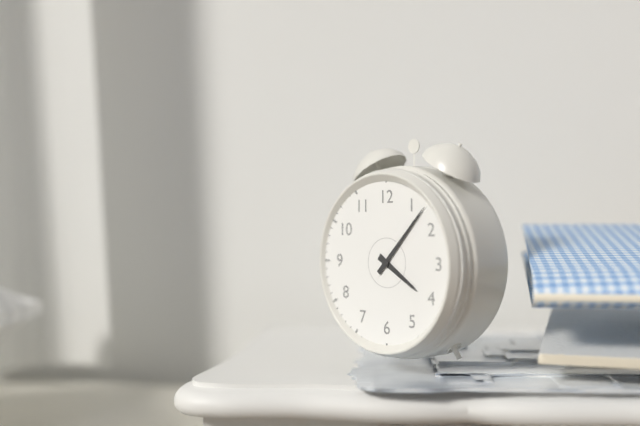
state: 4:07
